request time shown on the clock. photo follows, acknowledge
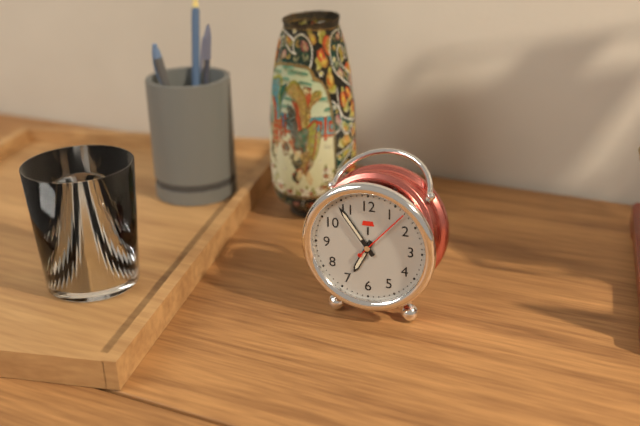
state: 6:54:07
